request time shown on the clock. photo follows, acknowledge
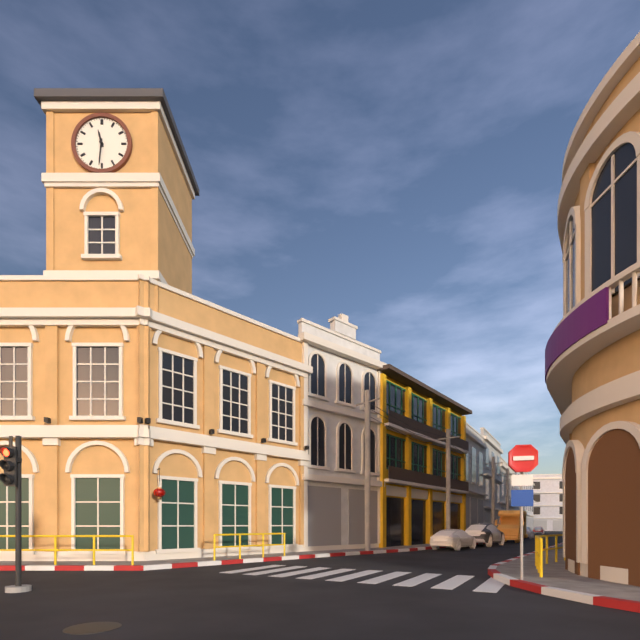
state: 11:31
